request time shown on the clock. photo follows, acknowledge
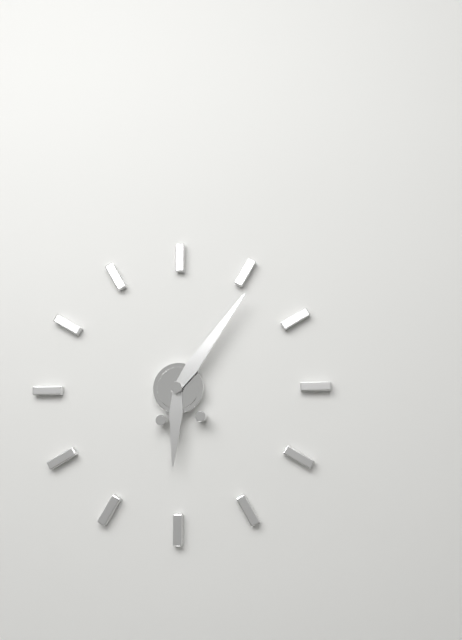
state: 6:06
